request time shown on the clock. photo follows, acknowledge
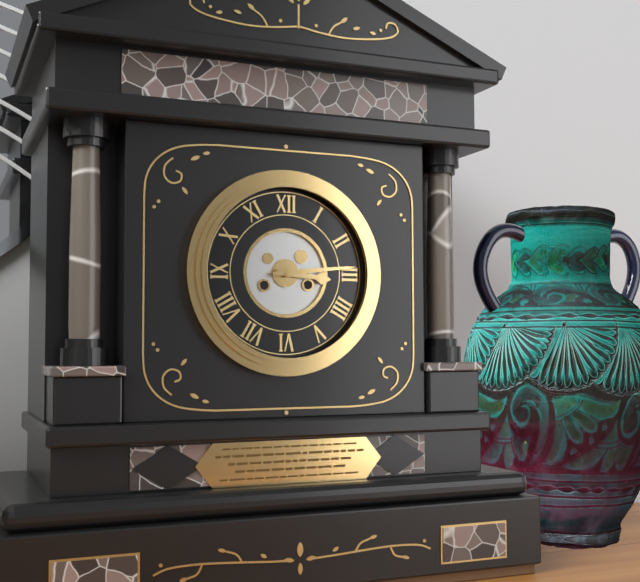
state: 3:14
